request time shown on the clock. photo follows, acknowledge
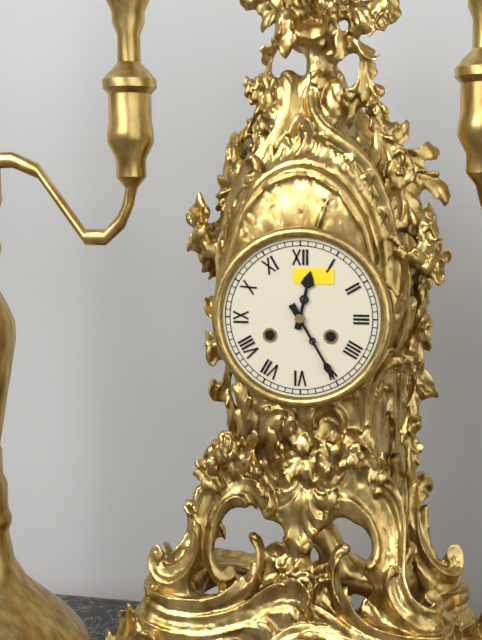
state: 12:25
